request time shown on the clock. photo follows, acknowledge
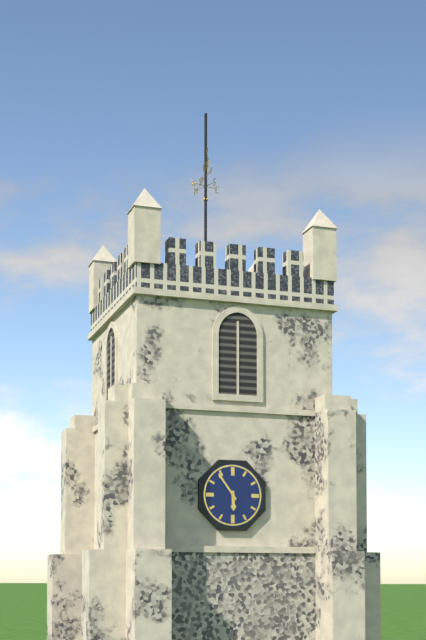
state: 5:54
